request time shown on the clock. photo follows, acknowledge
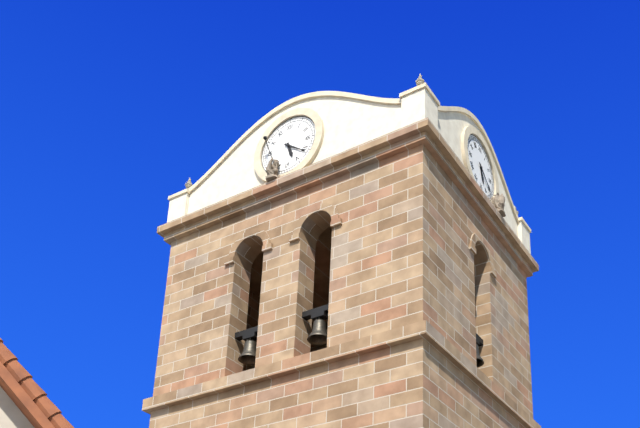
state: 5:21
